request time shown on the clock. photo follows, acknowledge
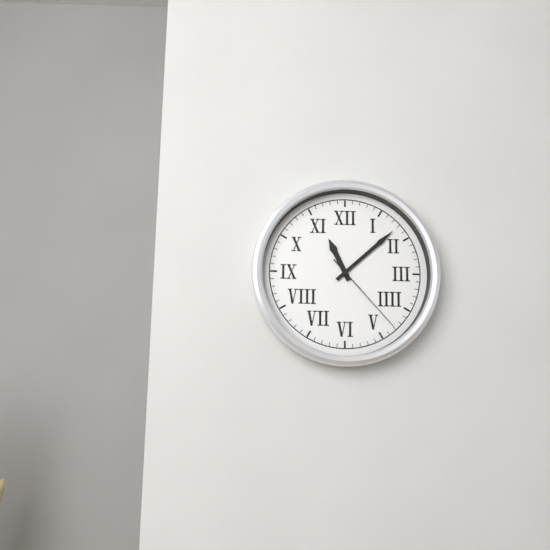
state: 11:08:23
